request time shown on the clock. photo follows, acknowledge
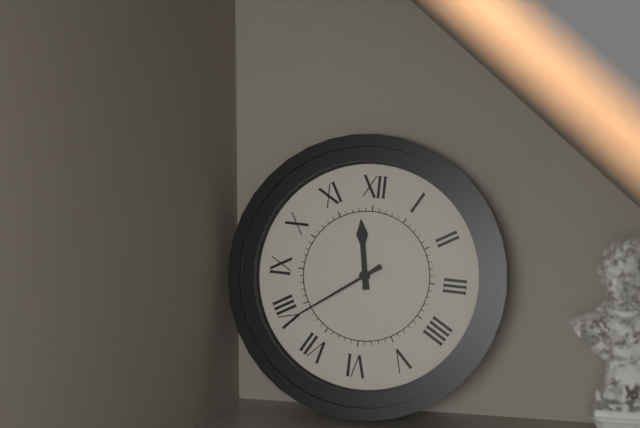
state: 11:39
